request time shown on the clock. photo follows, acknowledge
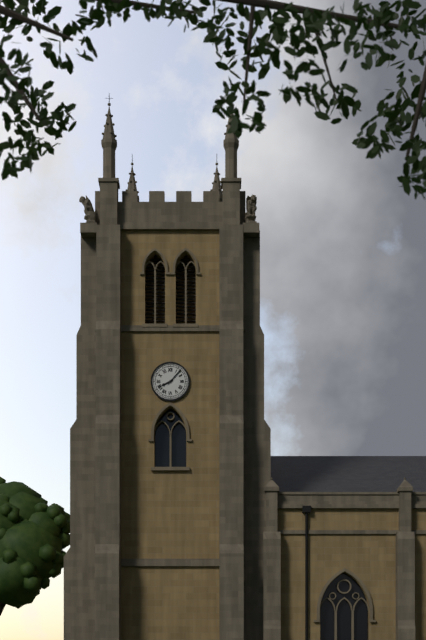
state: 8:07
